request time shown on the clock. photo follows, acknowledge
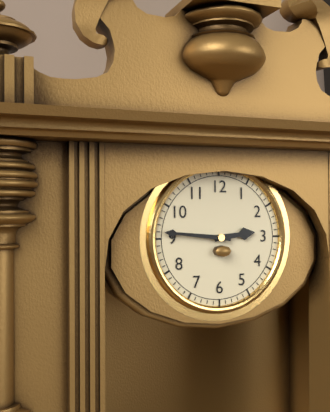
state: 2:46
